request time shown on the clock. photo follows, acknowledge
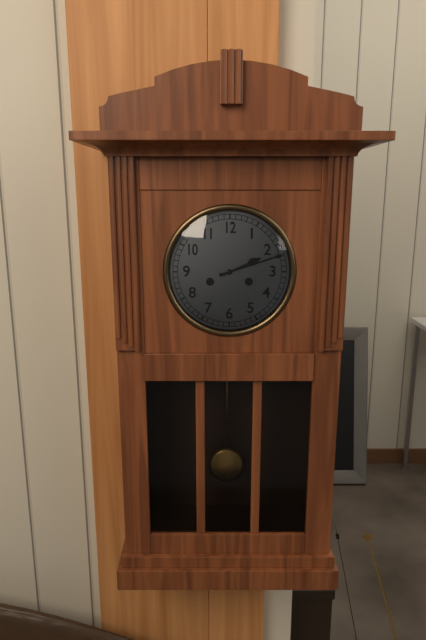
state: 2:12
